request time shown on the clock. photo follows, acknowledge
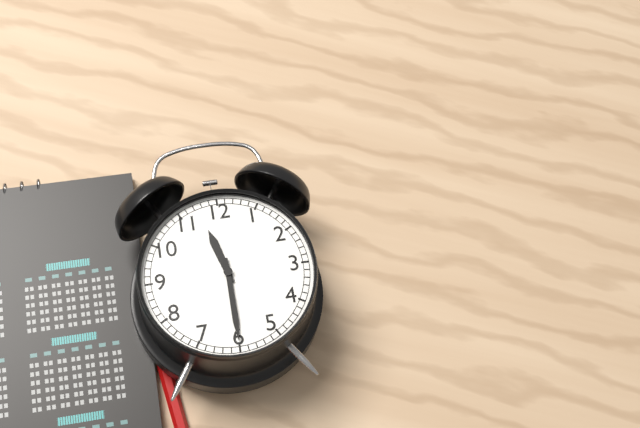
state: 11:30
